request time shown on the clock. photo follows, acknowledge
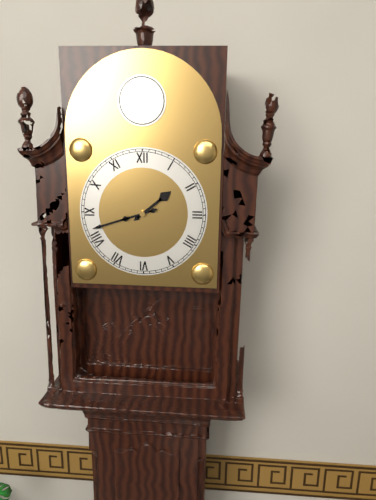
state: 1:42
